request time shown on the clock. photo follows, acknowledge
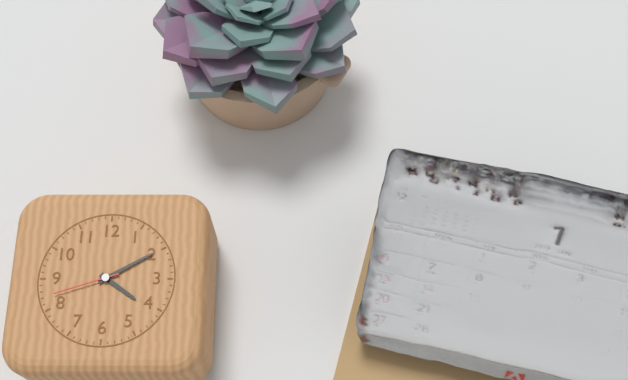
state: 4:10:42
